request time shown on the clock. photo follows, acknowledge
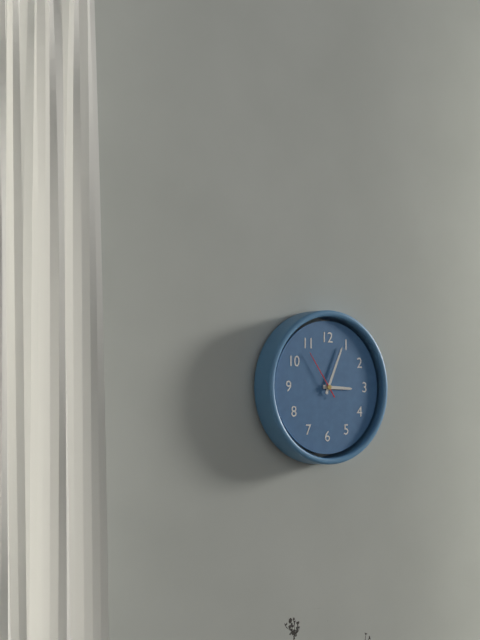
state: 3:04:54
